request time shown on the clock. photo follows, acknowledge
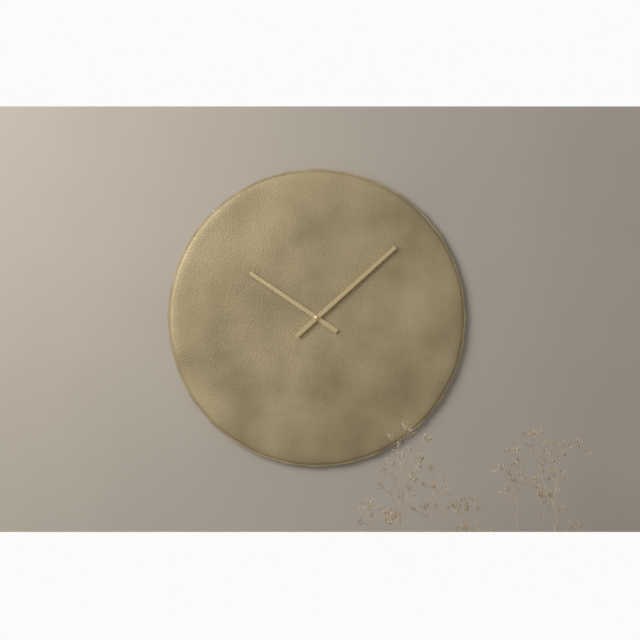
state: 10:08
